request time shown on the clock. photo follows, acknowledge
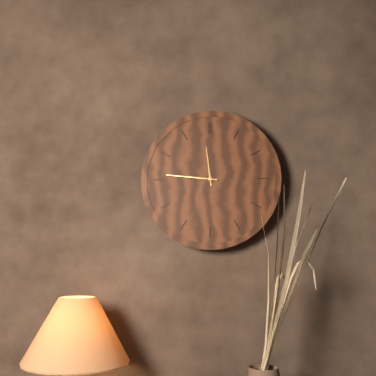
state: 11:46
